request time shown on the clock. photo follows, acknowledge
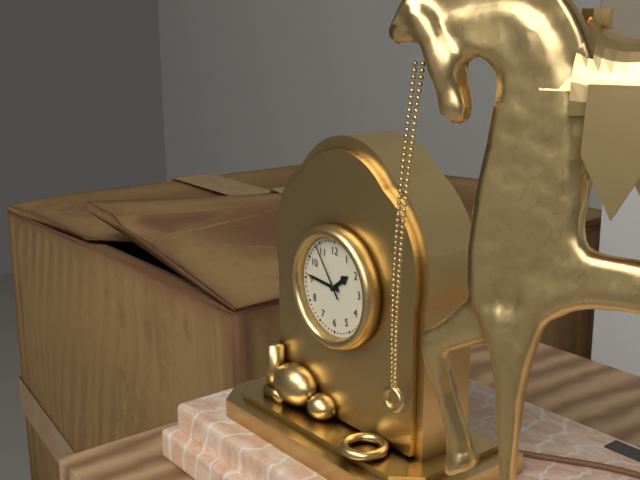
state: 1:46:54
